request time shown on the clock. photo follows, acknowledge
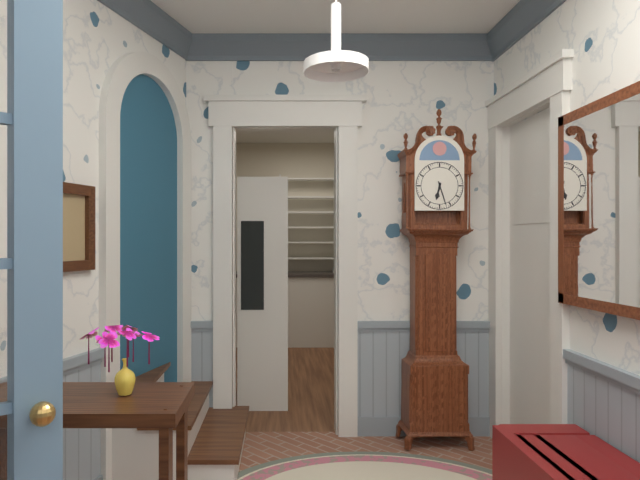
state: 6:27
